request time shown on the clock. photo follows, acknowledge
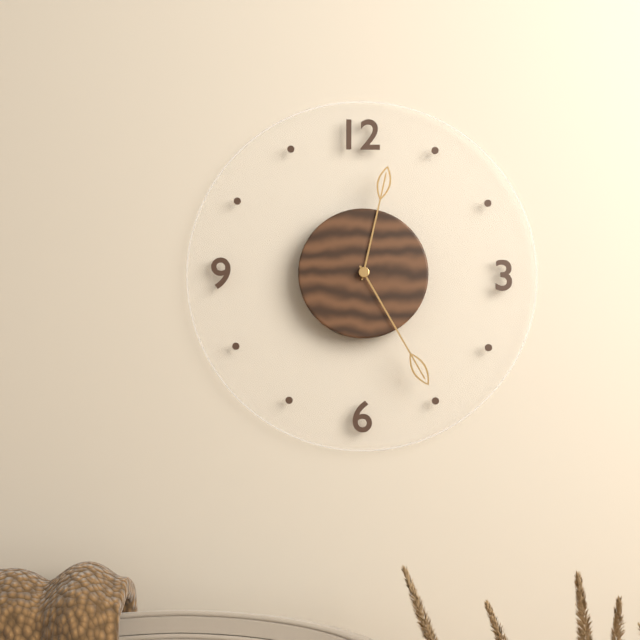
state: 12:25
